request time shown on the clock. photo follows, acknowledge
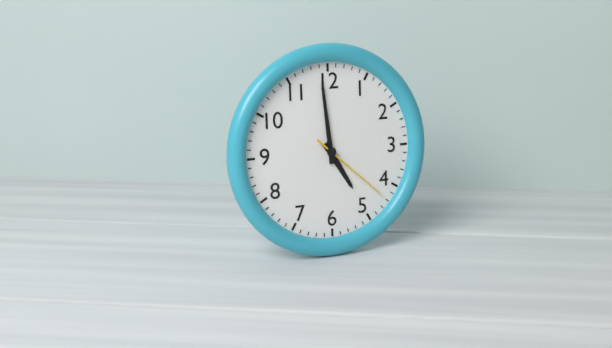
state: 4:59:22
